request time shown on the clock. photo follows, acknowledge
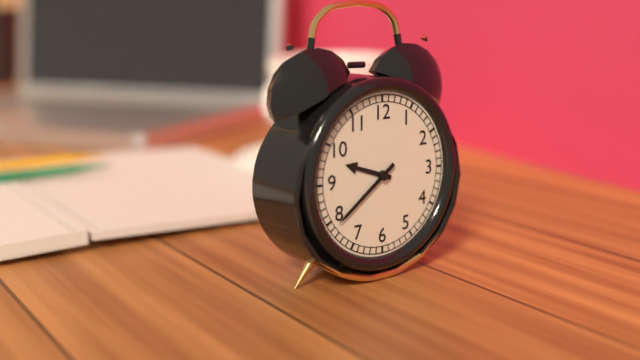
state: 9:39
